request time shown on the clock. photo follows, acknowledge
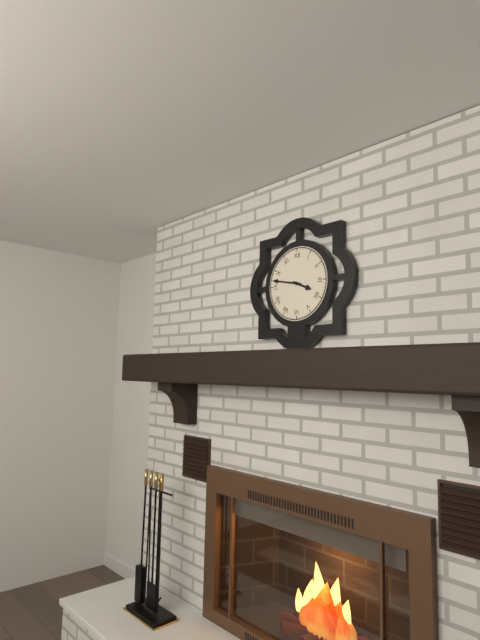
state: 3:47
